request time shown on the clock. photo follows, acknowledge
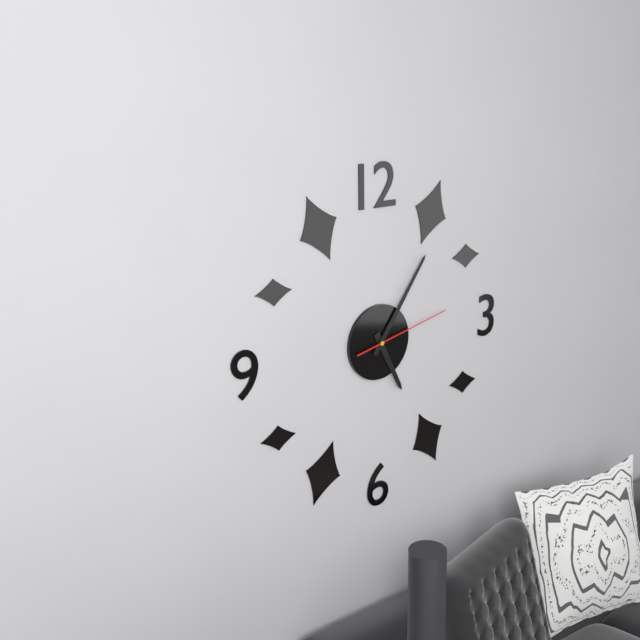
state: 5:06:13
